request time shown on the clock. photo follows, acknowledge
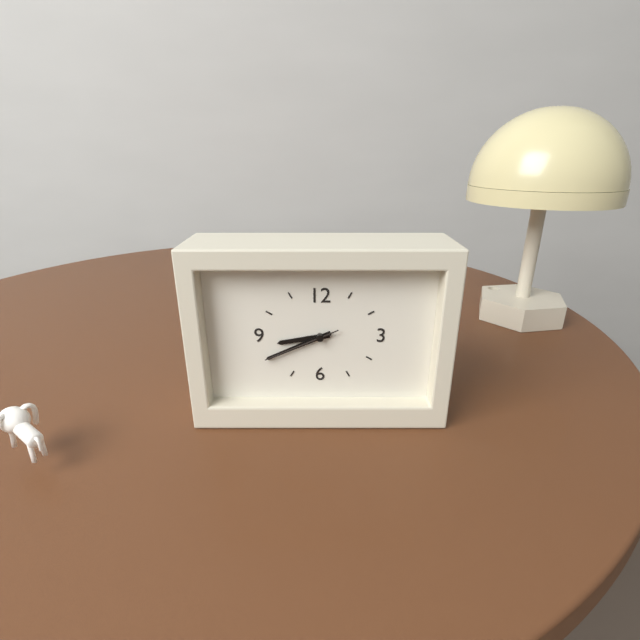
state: 8:41:41
